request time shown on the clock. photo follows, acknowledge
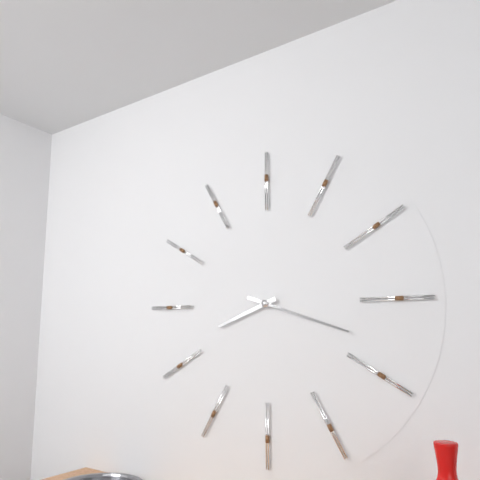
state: 8:18
